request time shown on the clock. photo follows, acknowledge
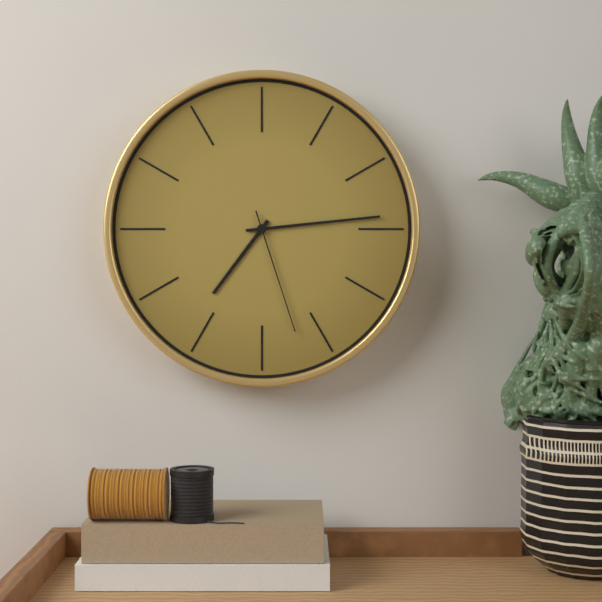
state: 7:14:27
